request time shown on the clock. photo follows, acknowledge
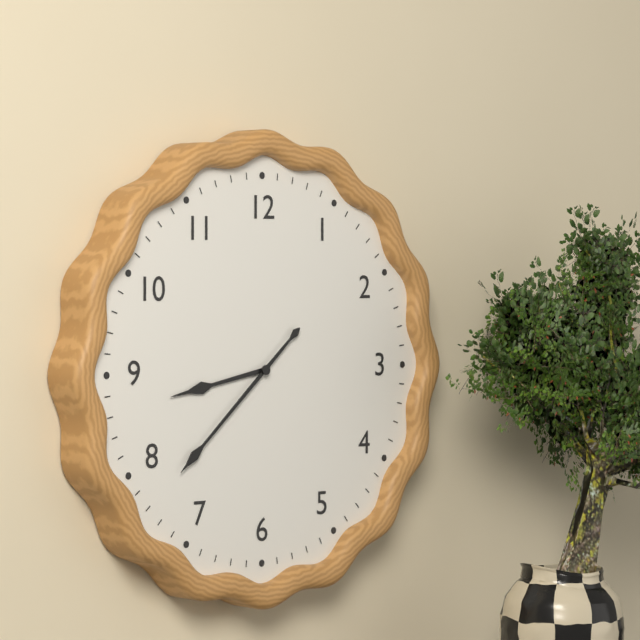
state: 8:38
